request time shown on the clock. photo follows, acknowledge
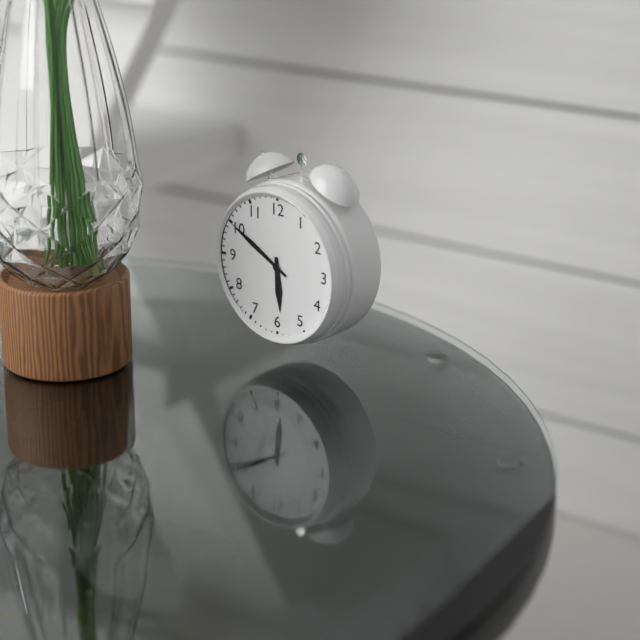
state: 5:50
